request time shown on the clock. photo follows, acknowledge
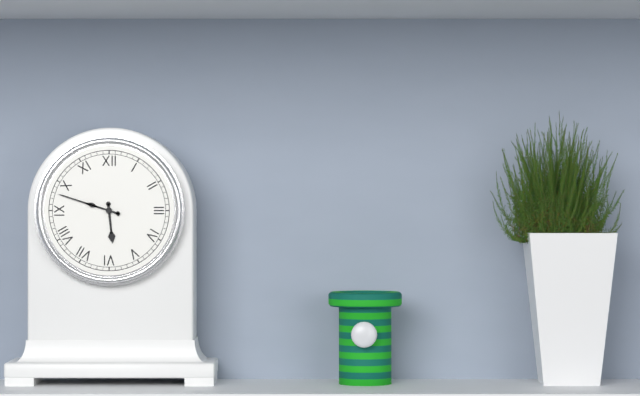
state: 5:48
